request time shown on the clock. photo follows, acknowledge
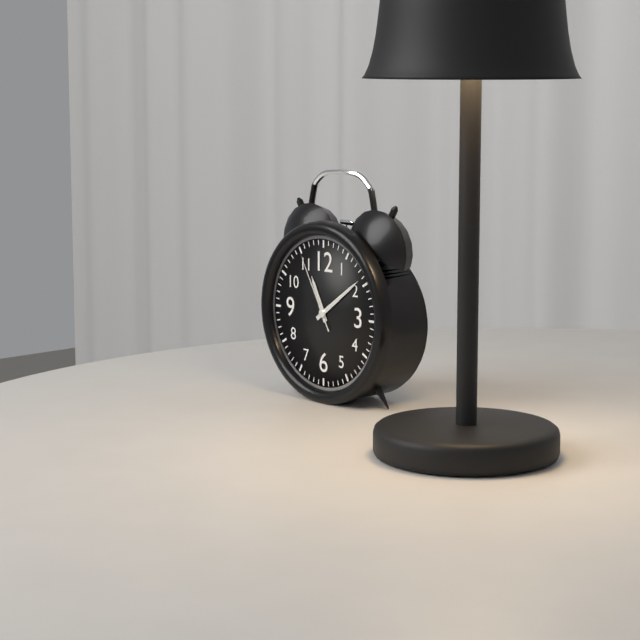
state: 11:09:55
